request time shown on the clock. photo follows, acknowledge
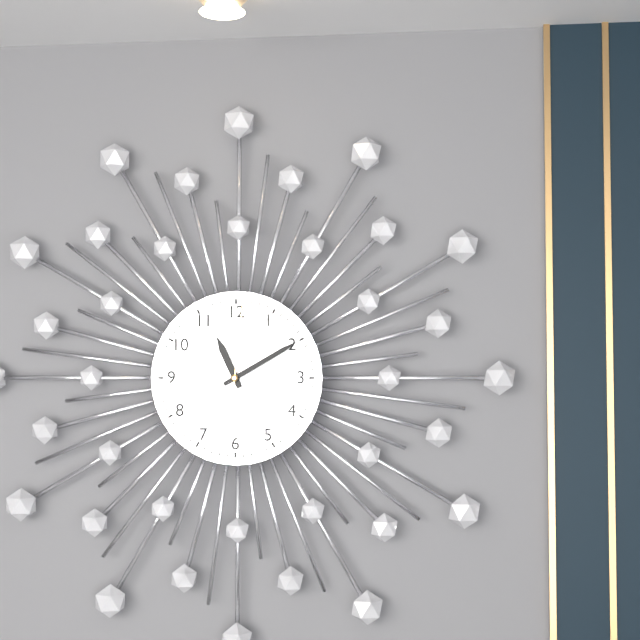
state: 11:10:01
